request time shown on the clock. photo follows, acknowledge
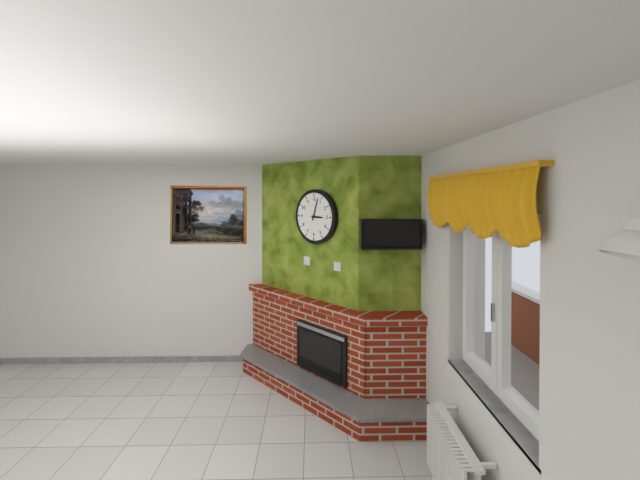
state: 3:03
